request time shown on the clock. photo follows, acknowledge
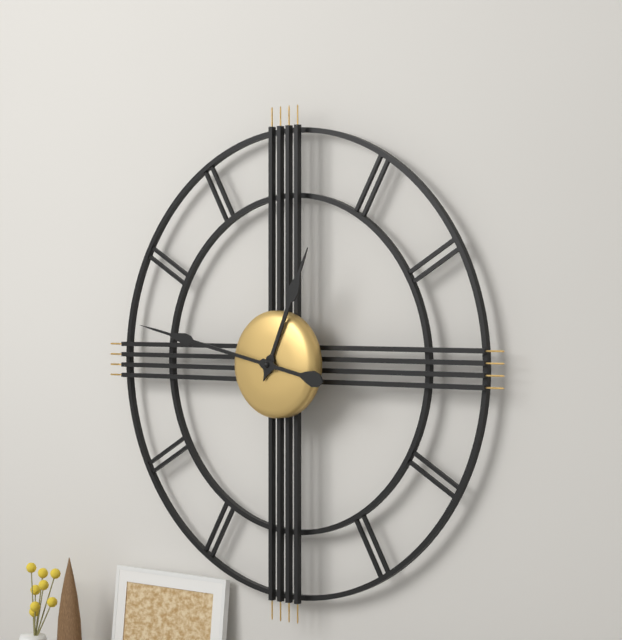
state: 12:47
